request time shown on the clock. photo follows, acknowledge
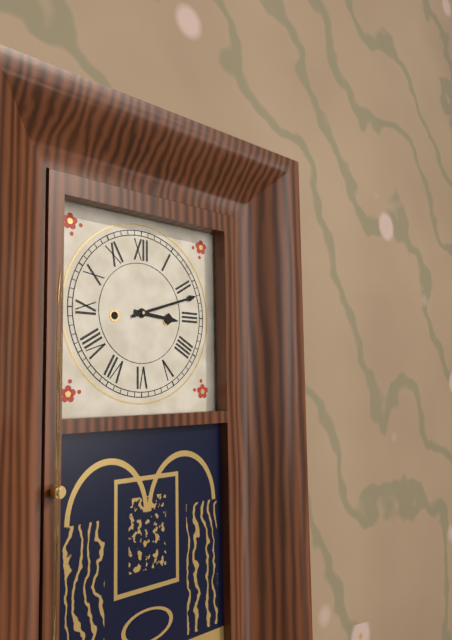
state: 3:12
